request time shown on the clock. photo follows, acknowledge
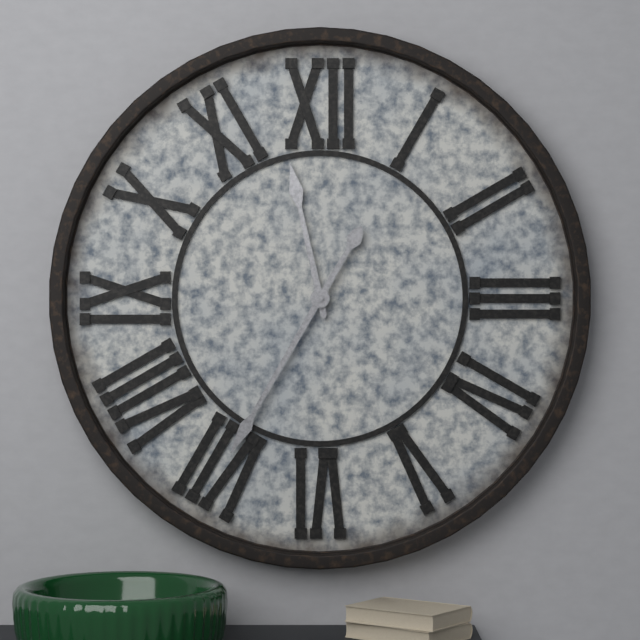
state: 11:35
